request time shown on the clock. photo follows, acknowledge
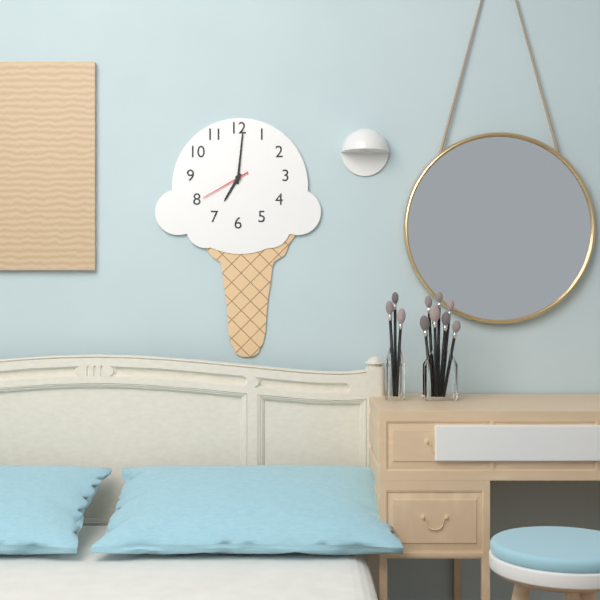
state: 7:01:40
